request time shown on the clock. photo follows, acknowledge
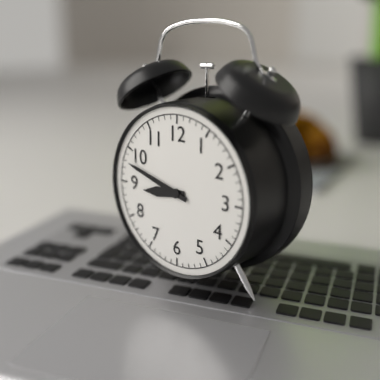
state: 8:48
